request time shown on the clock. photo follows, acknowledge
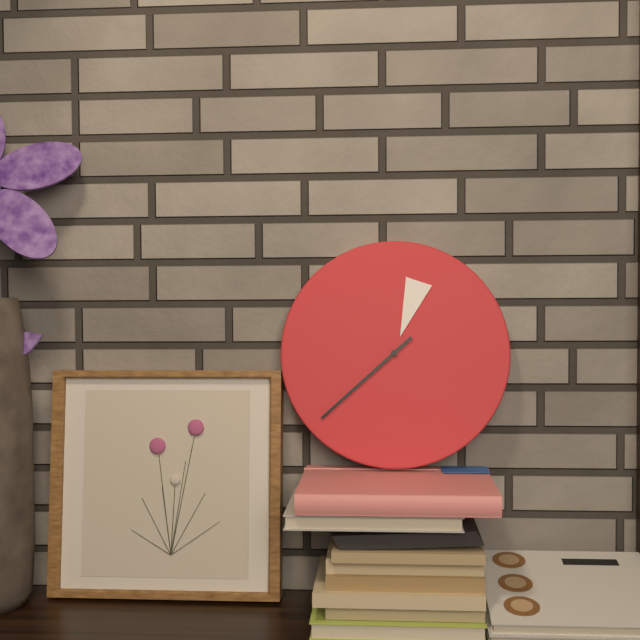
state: 12:38
